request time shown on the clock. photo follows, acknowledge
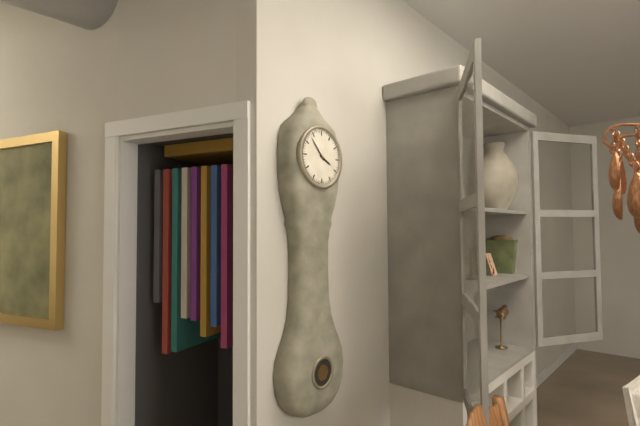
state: 3:53
